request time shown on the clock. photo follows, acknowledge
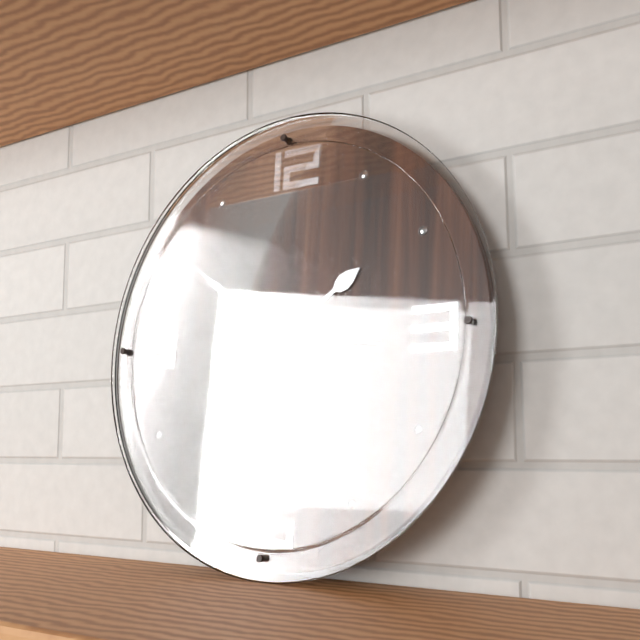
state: 1:51:16
